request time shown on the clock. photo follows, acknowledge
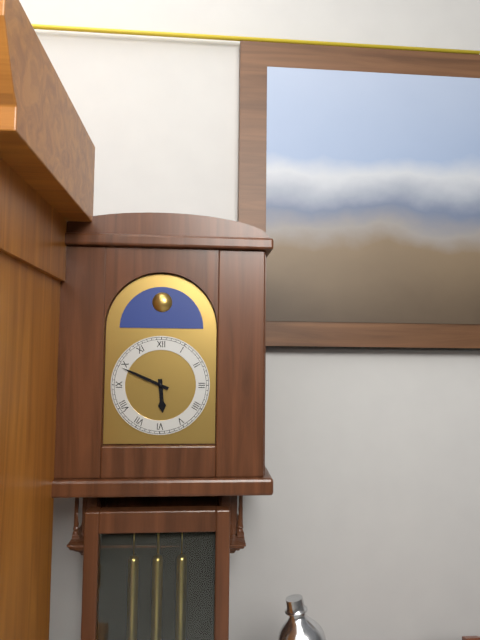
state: 5:49
